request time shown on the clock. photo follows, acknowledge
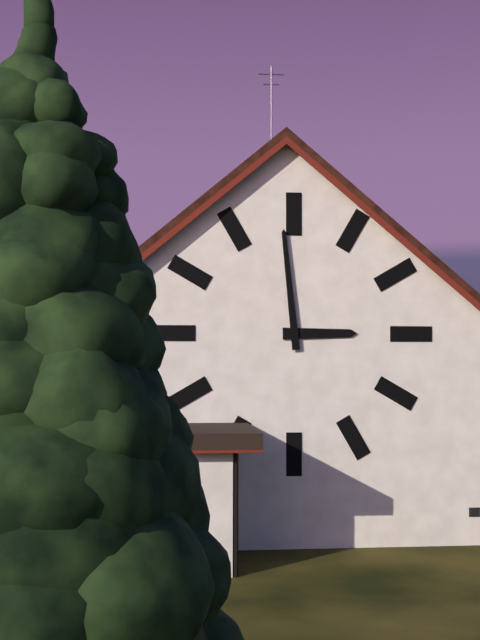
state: 2:59
